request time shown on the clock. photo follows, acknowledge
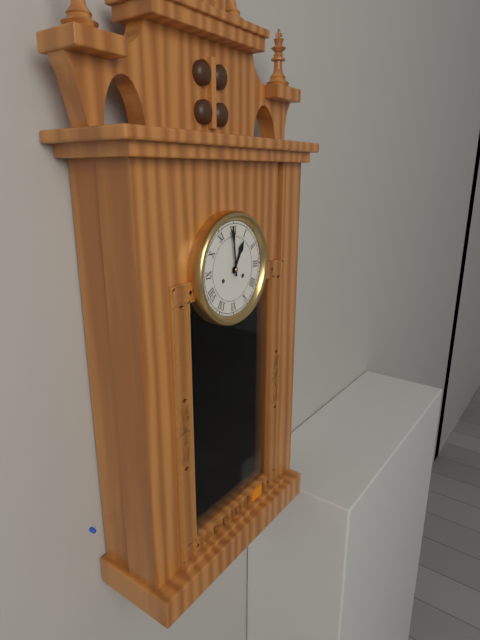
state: 12:59
